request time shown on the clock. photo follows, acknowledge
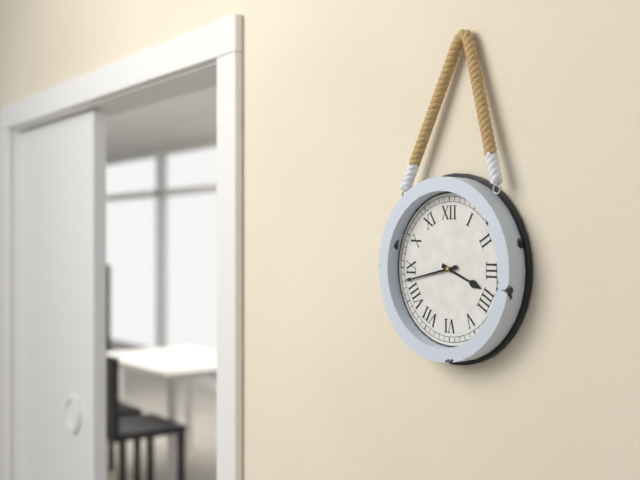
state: 3:43
